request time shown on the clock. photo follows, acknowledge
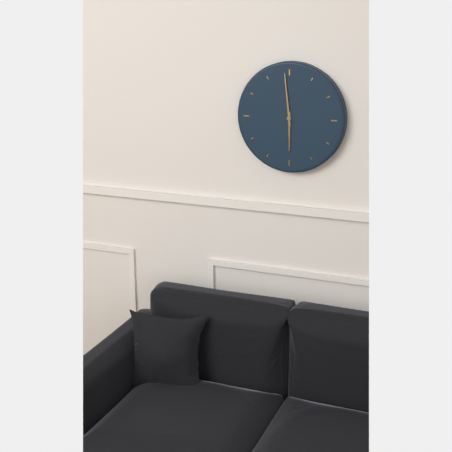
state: 5:59
